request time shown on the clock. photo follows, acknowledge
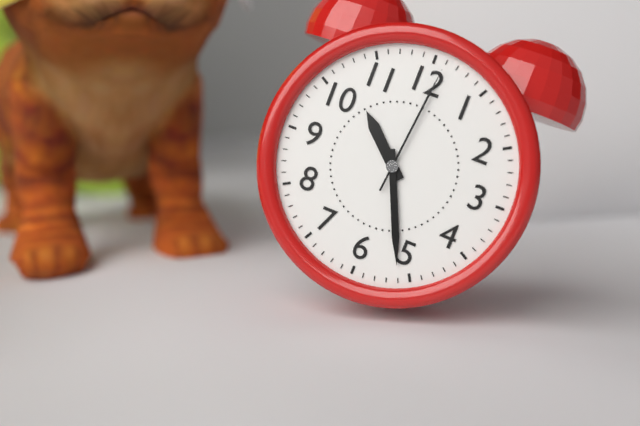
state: 10:26:01
